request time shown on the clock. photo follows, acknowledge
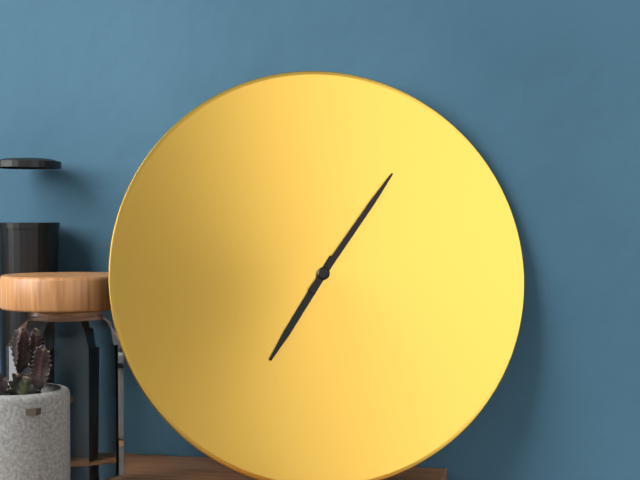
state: 7:06
